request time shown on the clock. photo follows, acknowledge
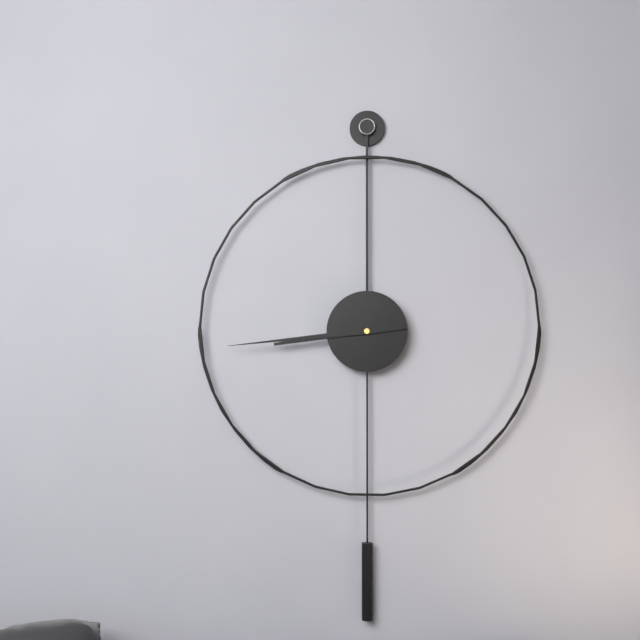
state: 8:44
